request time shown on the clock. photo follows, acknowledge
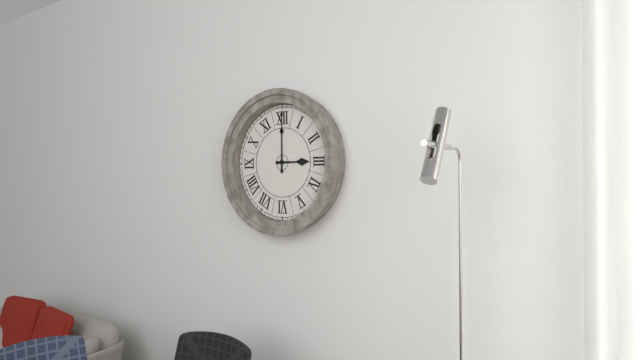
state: 3:00
